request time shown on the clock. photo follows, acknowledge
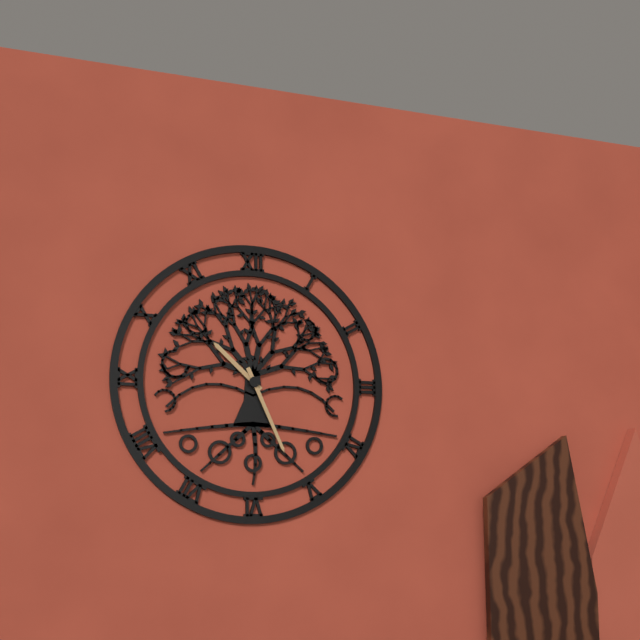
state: 10:26
